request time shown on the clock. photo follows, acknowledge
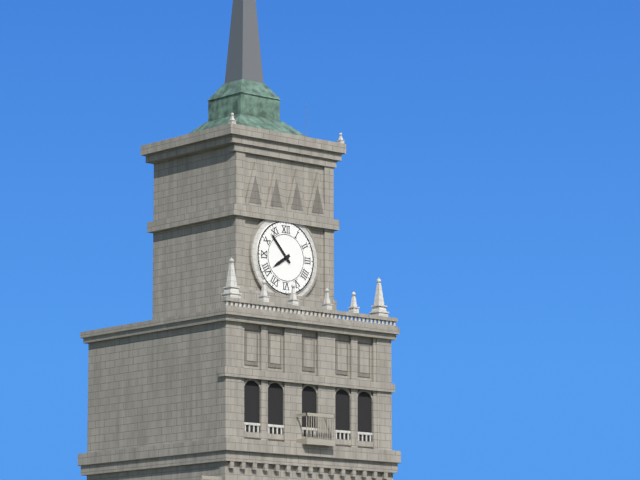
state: 7:53
